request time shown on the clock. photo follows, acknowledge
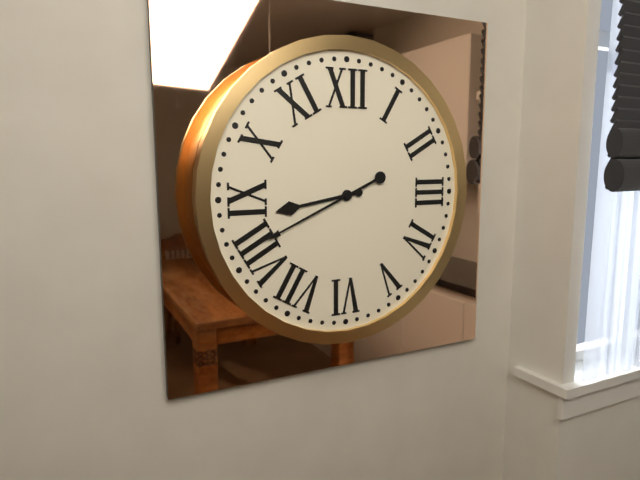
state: 8:41
